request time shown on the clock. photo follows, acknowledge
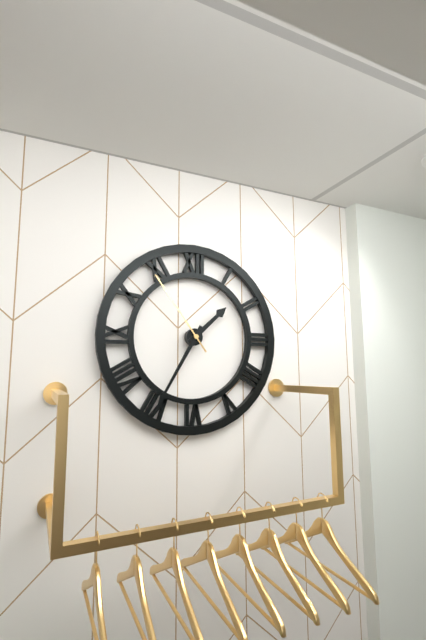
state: 1:35:54
